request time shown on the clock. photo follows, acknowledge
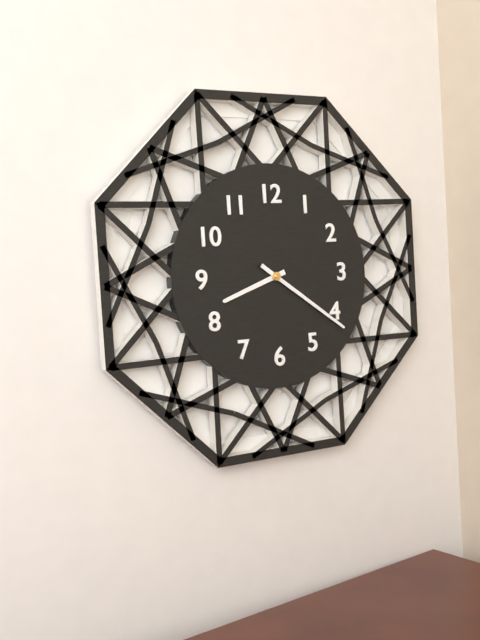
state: 8:21
